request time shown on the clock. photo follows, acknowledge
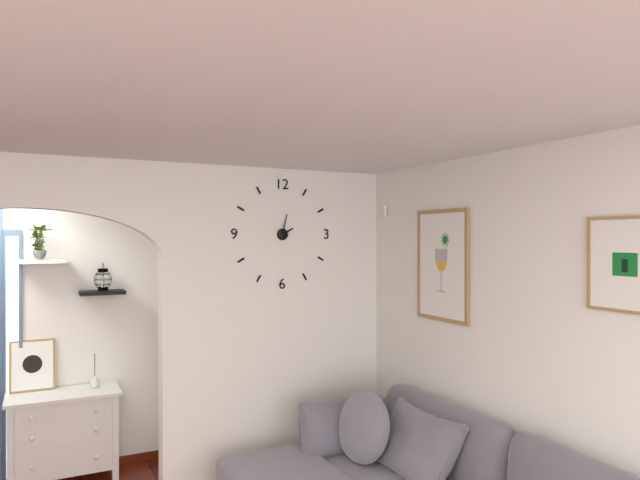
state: 2:02
